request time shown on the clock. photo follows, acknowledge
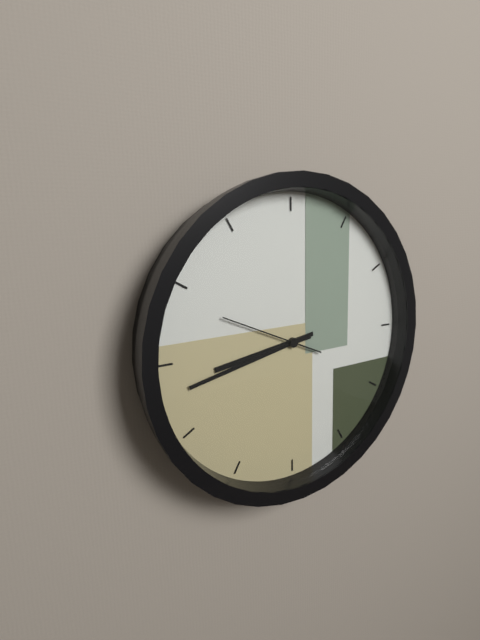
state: 8:43:49
